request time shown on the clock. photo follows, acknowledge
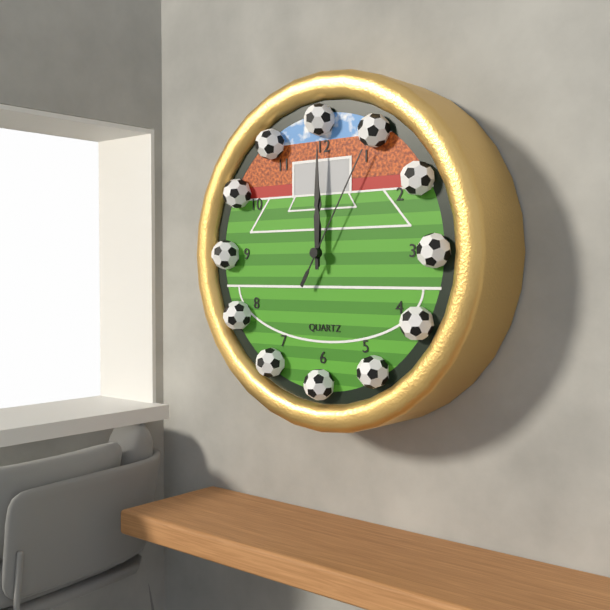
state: 12:00:05
